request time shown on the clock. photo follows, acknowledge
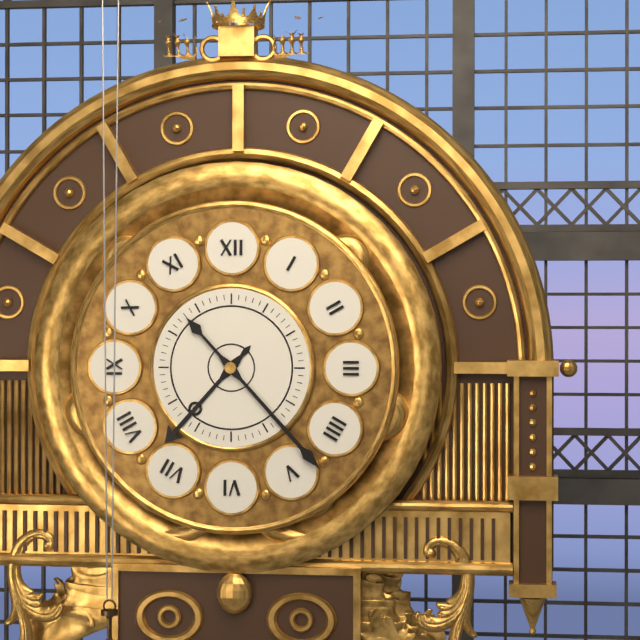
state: 7:23
